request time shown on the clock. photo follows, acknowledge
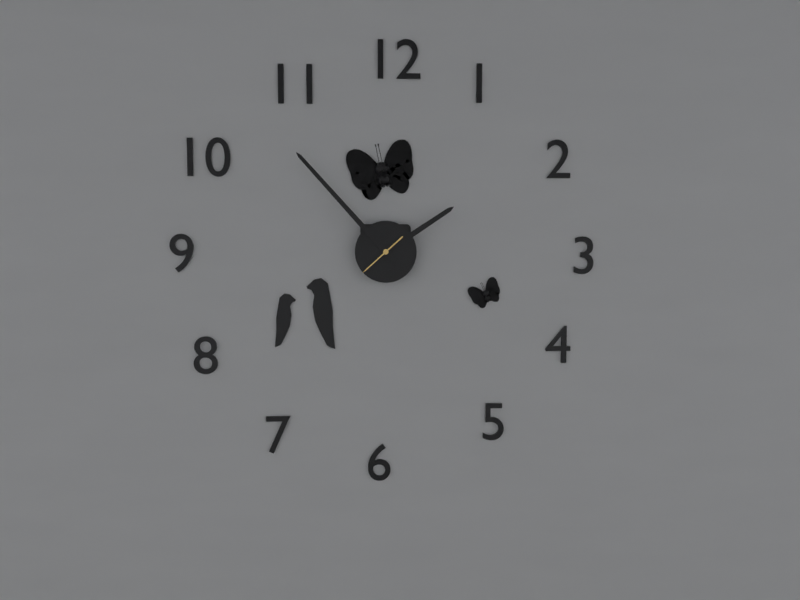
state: 1:53
